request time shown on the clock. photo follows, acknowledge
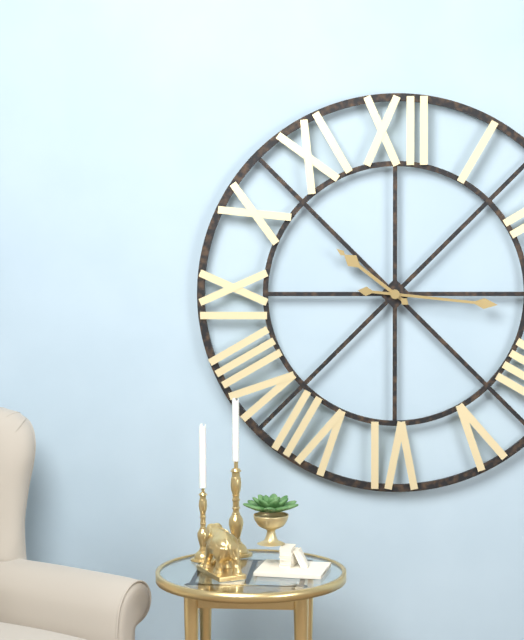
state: 10:16
